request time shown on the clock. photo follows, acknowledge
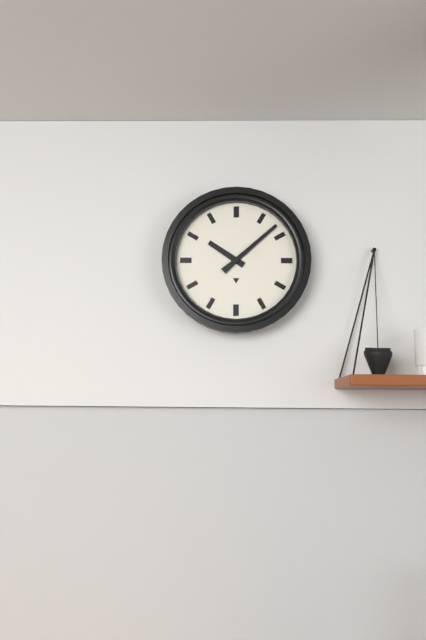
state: 10:08
